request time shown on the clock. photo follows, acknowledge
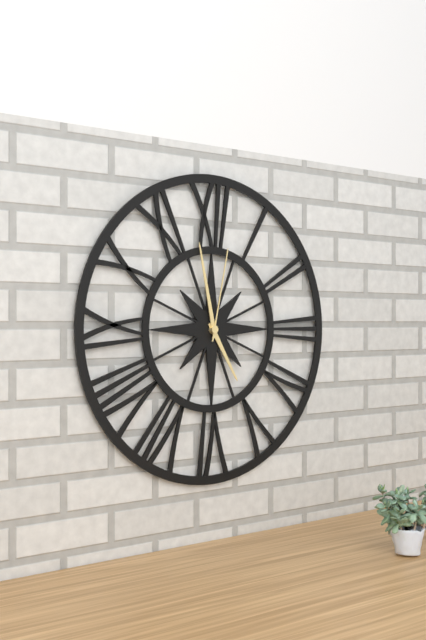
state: 4:58:02
